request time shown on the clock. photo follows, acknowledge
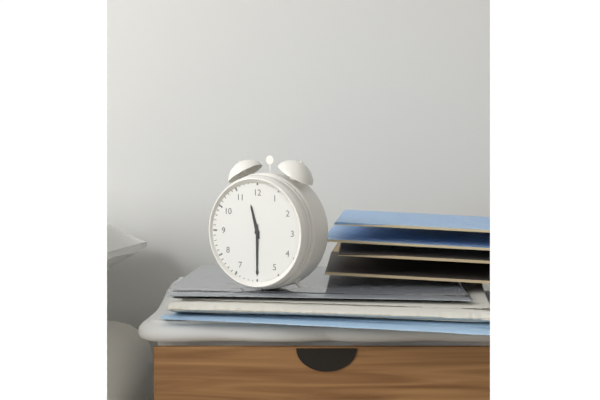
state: 11:30
